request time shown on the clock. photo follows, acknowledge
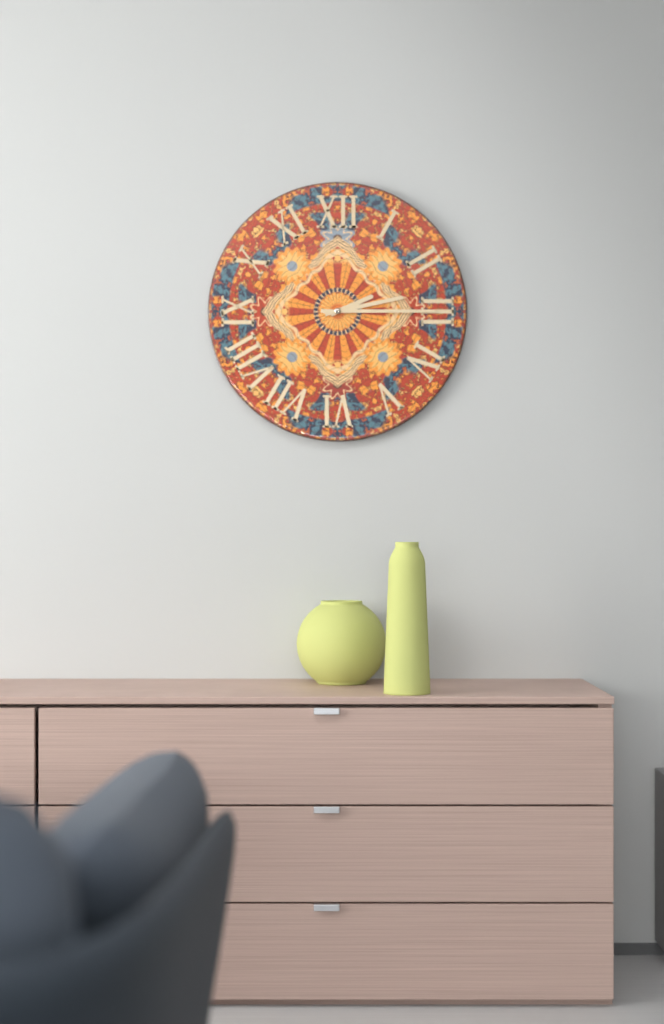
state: 2:13:15
